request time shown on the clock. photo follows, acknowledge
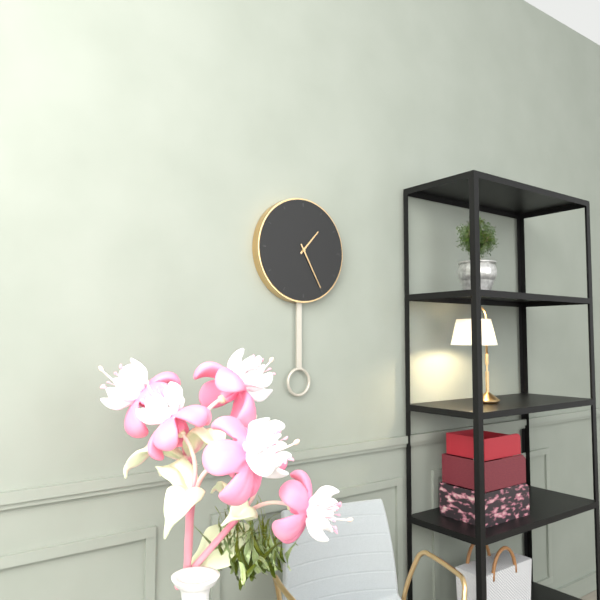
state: 1:25
